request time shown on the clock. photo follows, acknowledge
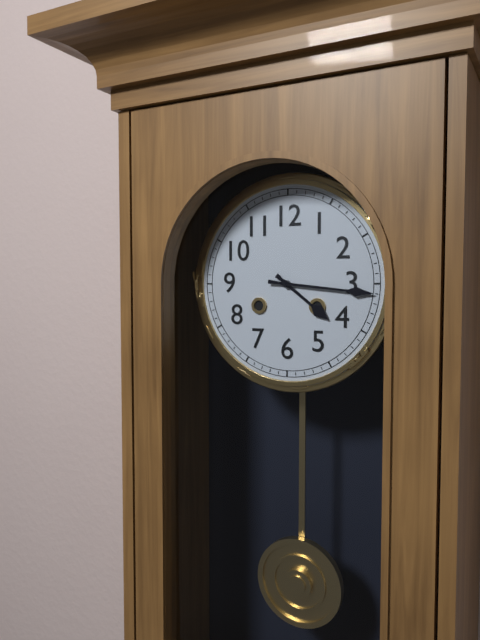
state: 4:16
